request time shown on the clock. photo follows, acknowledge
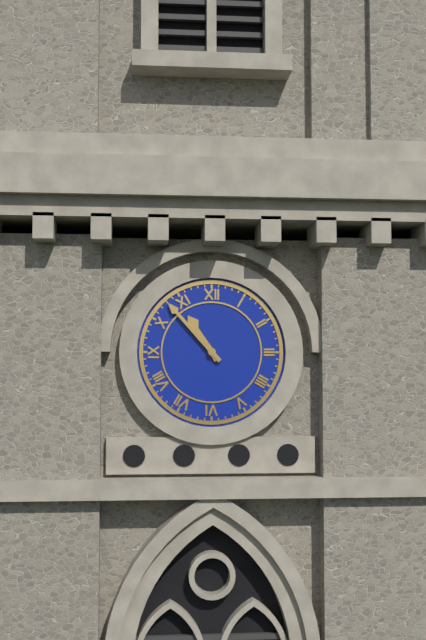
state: 10:53
